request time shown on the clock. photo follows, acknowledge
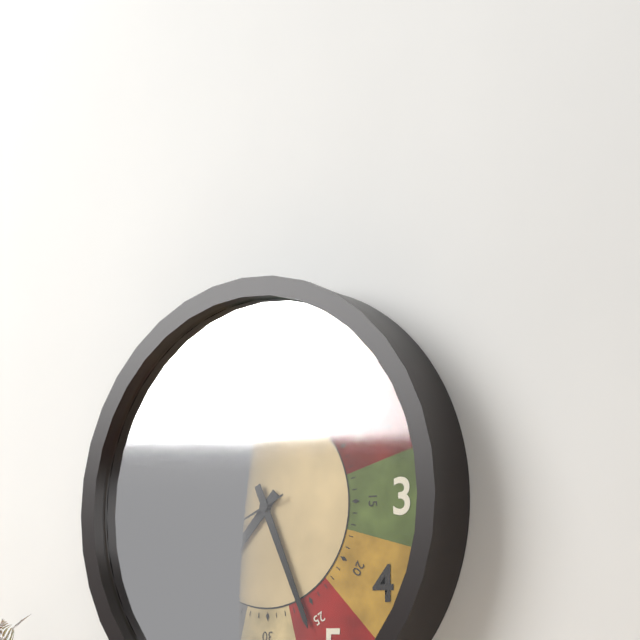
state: 7:26:41
